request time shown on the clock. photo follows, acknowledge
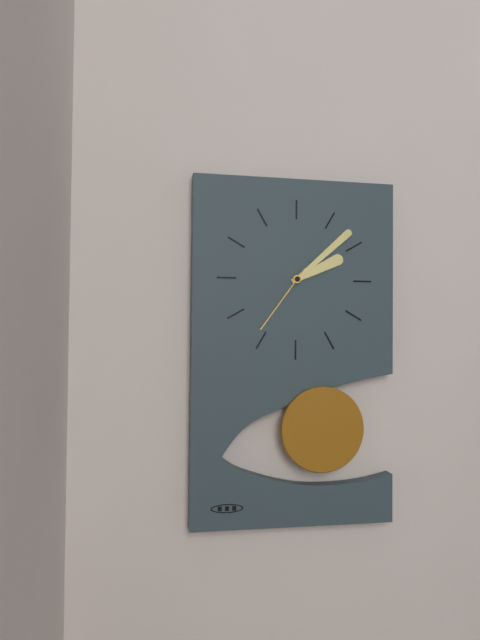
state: 2:08:36
